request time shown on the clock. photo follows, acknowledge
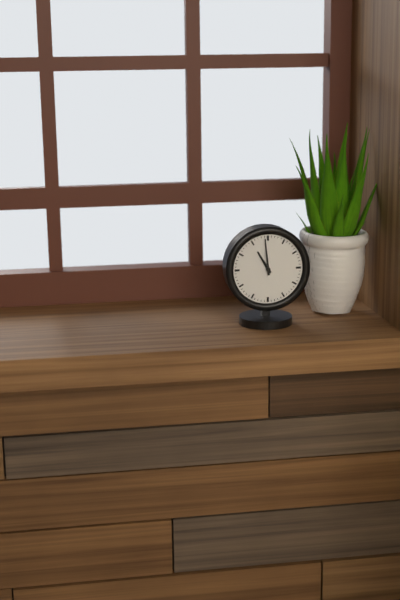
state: 10:59
